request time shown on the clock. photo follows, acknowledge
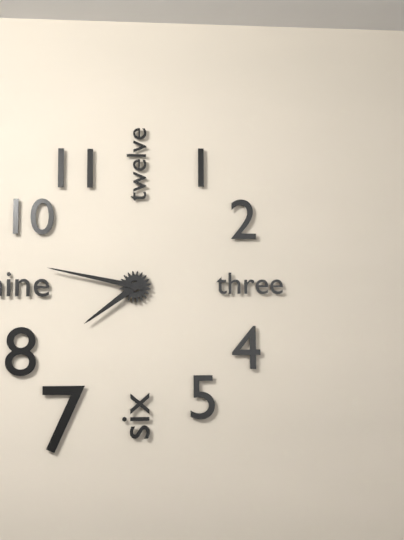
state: 7:47
